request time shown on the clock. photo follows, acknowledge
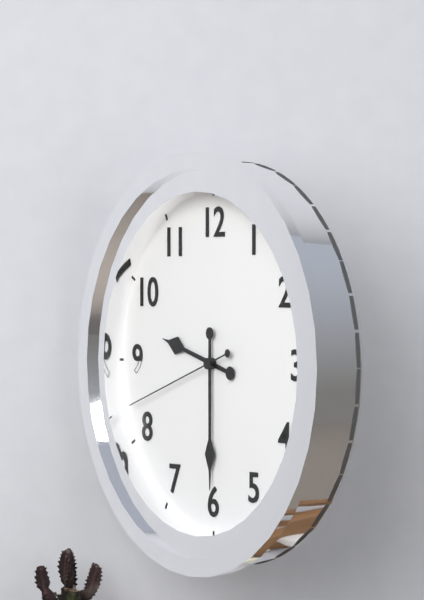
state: 9:30:42
